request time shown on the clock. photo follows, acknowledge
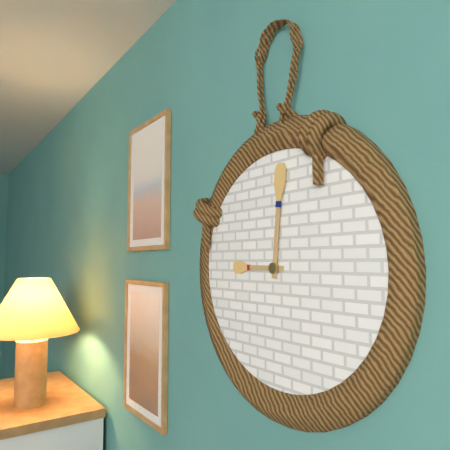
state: 9:01
